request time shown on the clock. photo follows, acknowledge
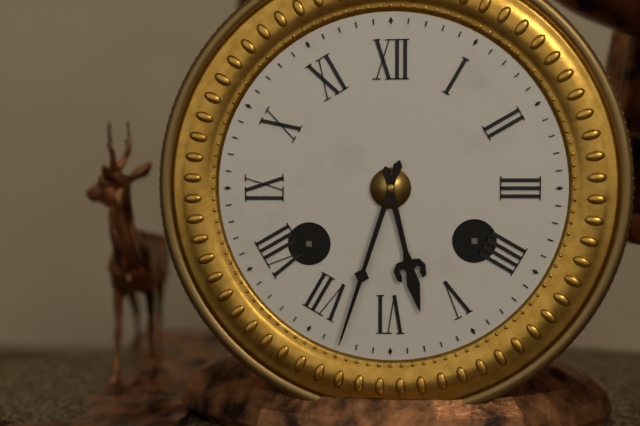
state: 5:33
